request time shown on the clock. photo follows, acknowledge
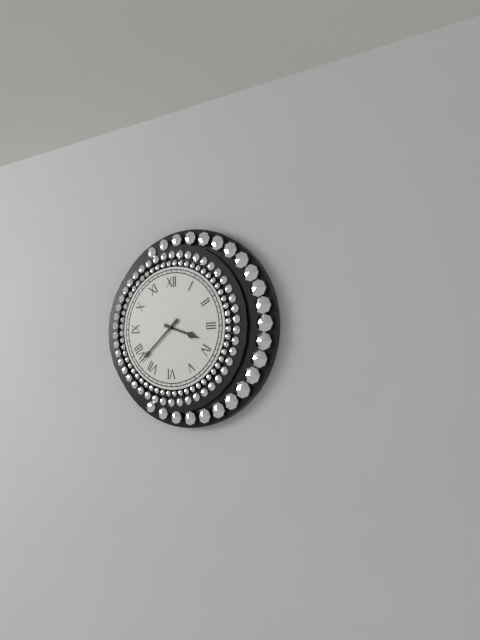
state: 3:38
